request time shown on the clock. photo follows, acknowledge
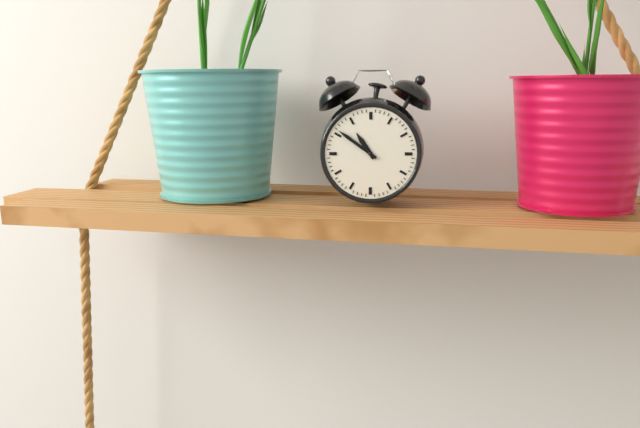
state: 10:51
